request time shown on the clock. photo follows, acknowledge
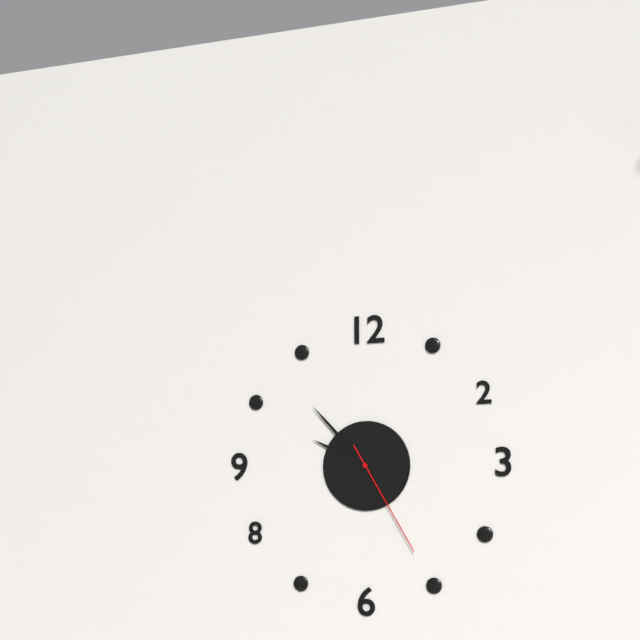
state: 9:53:25
